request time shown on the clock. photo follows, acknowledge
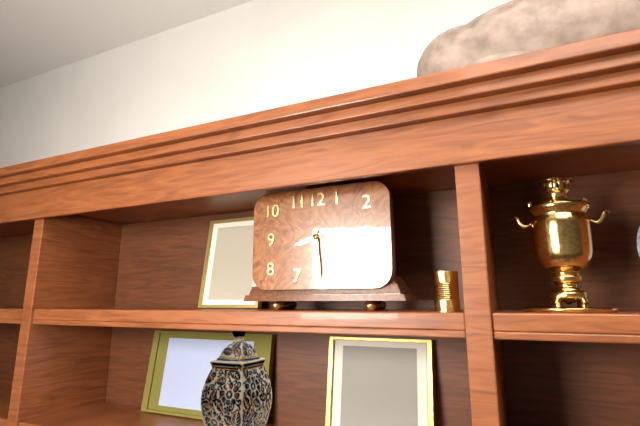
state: 8:29
